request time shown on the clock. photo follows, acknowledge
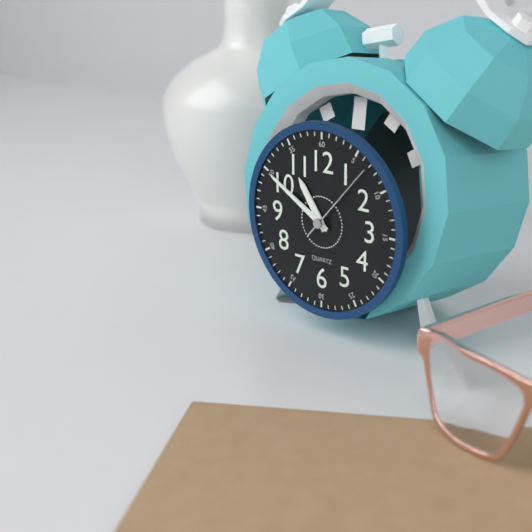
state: 10:50:07
